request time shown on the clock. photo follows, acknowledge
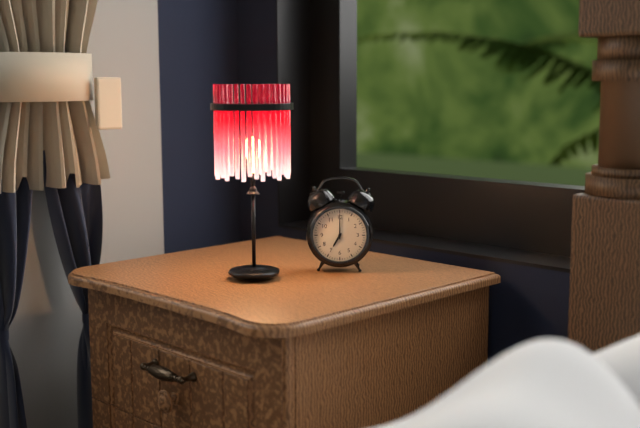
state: 7:00
